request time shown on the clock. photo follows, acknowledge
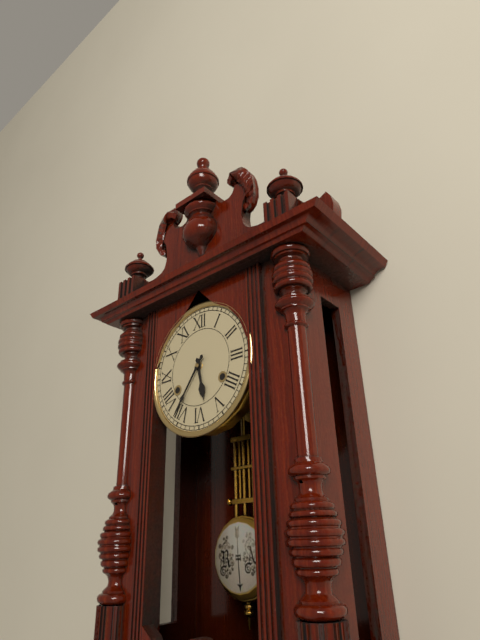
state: 5:36
